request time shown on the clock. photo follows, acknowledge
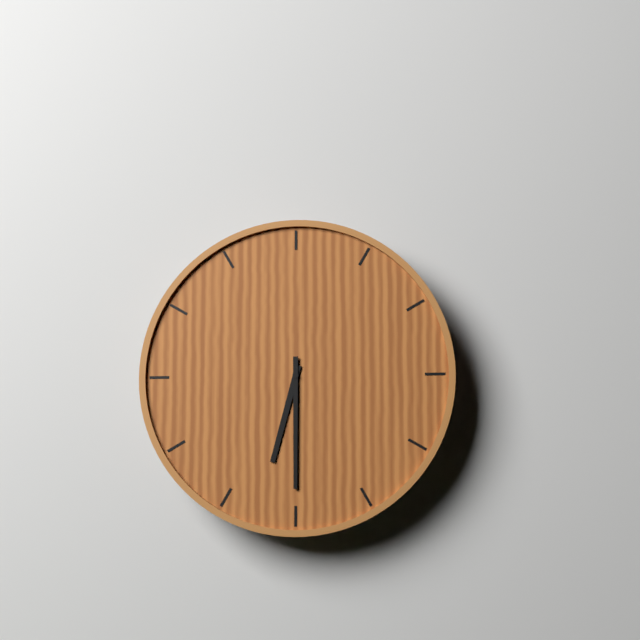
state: 6:30
